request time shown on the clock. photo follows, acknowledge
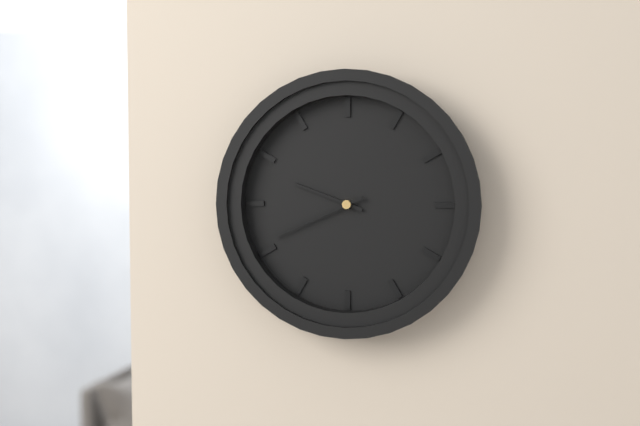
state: 9:41
